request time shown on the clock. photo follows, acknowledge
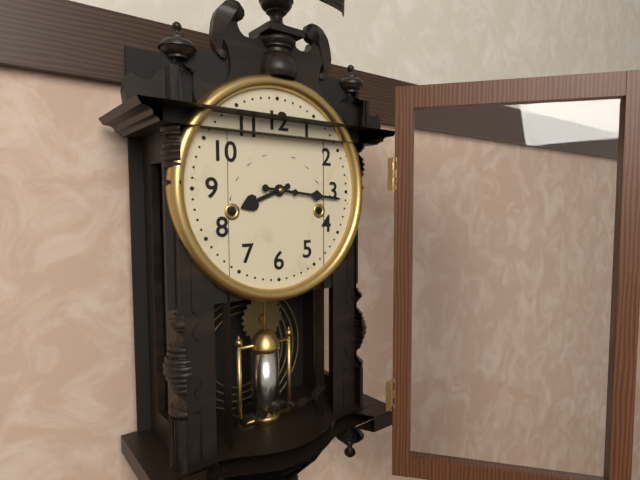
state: 8:16
